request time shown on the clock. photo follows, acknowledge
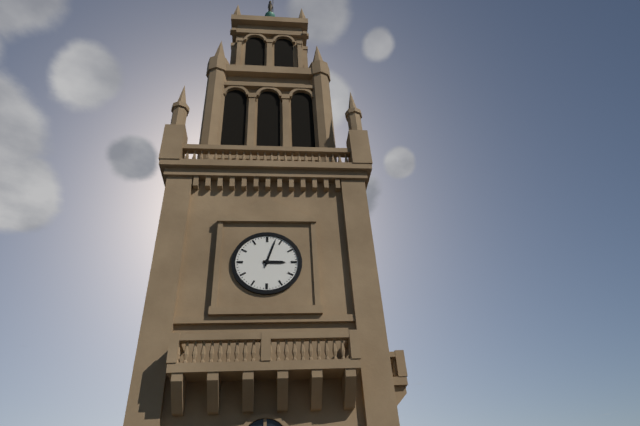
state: 3:03
